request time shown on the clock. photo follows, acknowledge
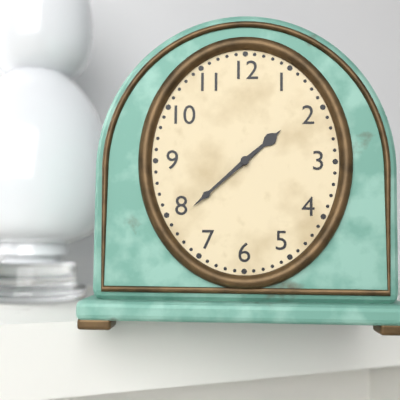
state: 1:38
